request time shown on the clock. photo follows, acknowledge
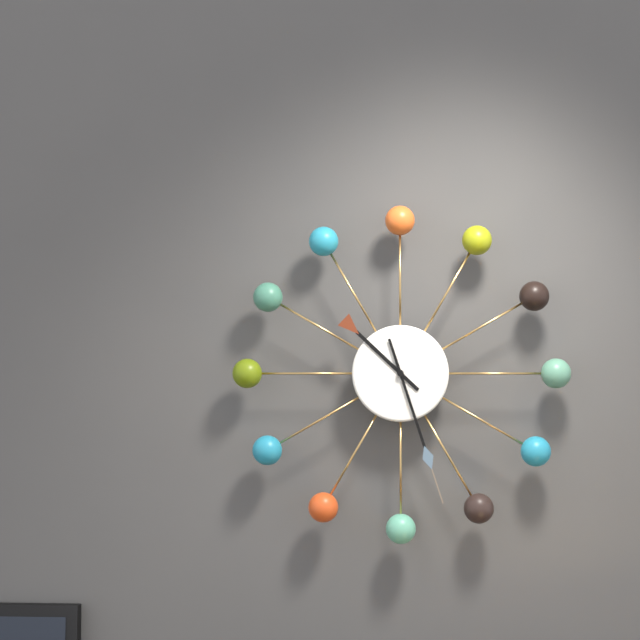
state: 10:27
